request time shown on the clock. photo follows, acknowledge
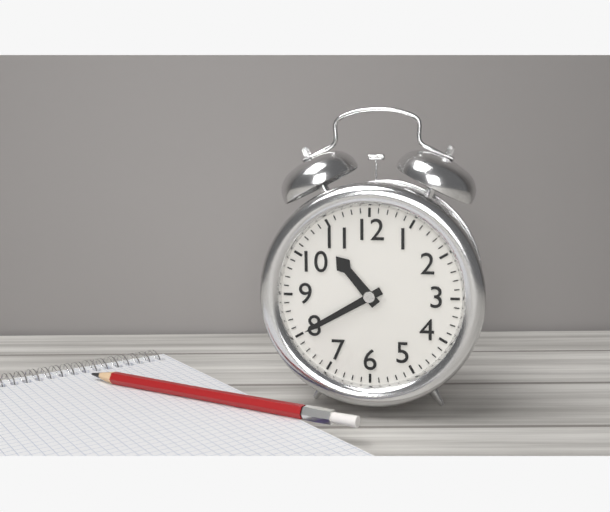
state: 10:40
